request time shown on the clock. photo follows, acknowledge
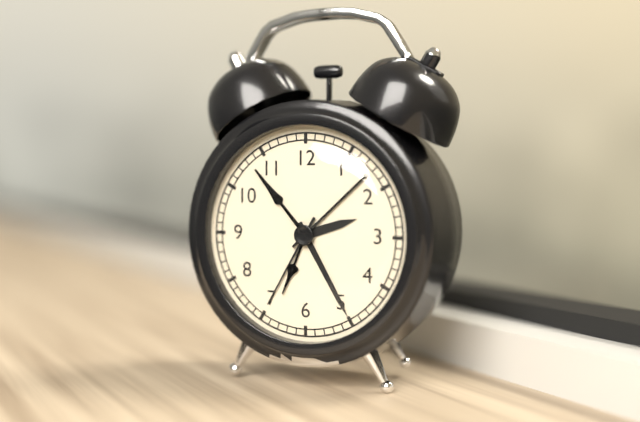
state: 2:25:35
